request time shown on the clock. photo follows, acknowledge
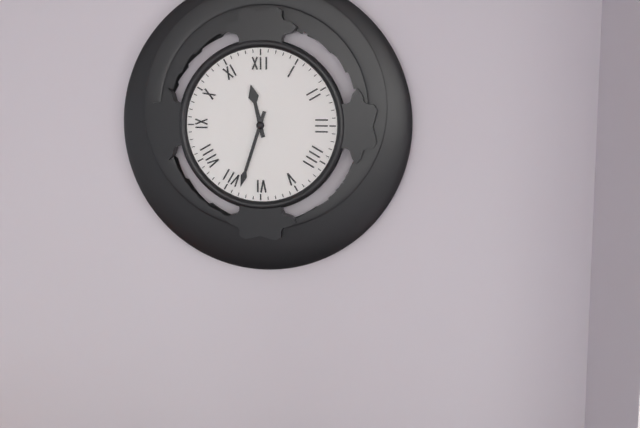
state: 11:33
